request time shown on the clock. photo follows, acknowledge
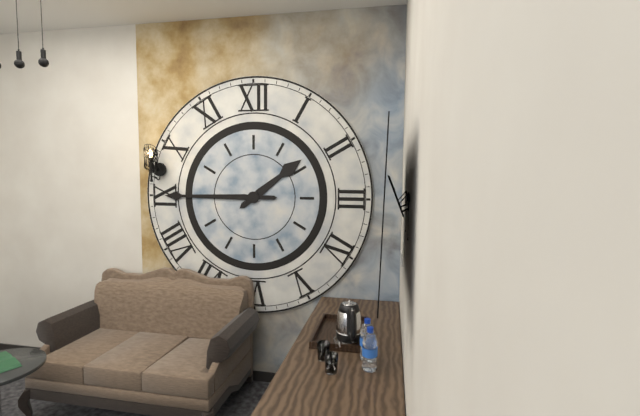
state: 1:45
